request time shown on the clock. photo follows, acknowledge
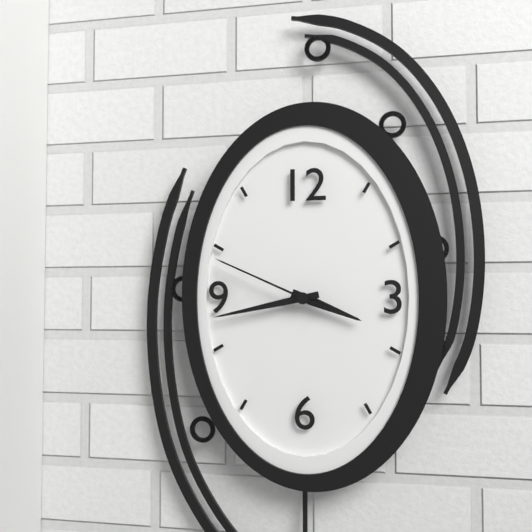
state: 3:43:49
